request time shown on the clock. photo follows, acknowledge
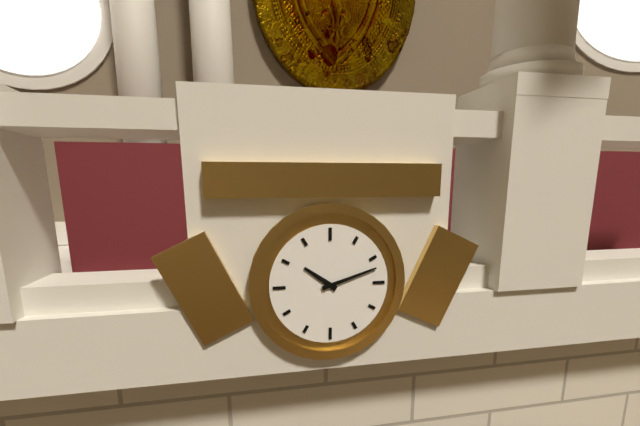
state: 10:12
